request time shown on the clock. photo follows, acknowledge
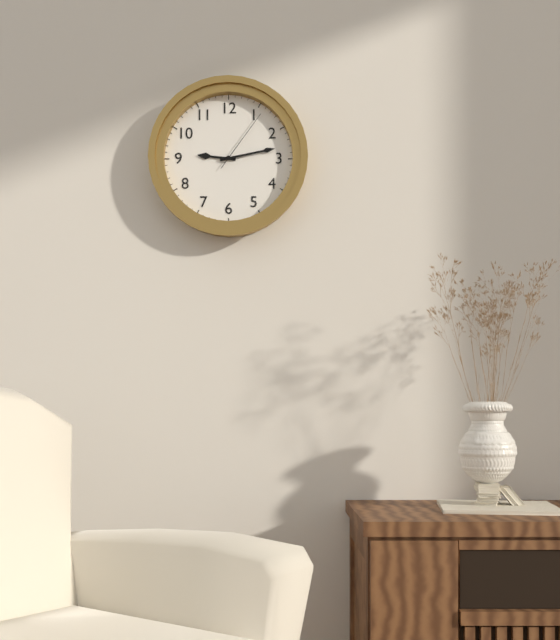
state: 9:13:06
